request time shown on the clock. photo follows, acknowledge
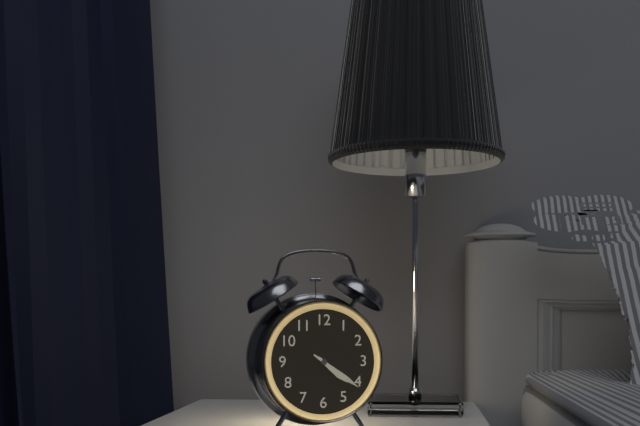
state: 4:21
